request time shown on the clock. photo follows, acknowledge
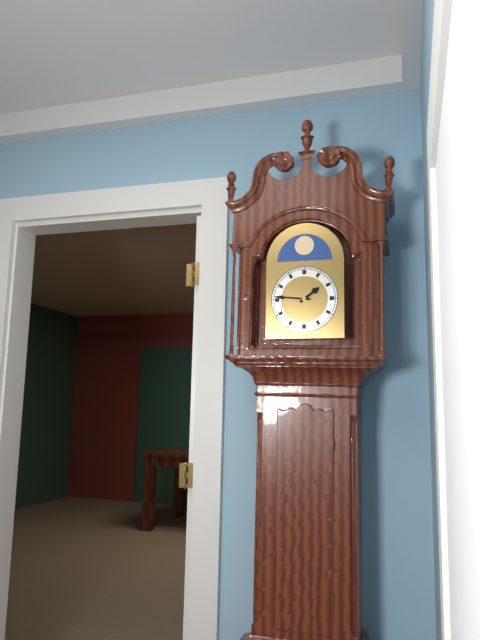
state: 1:46
